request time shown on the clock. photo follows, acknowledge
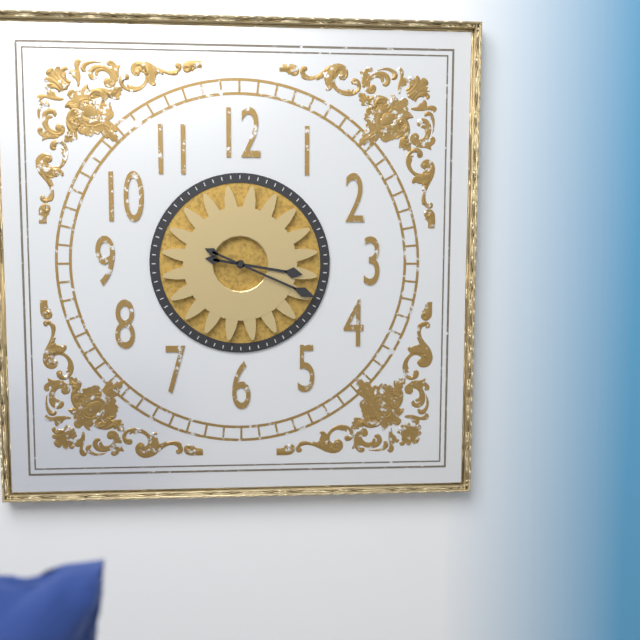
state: 3:19
